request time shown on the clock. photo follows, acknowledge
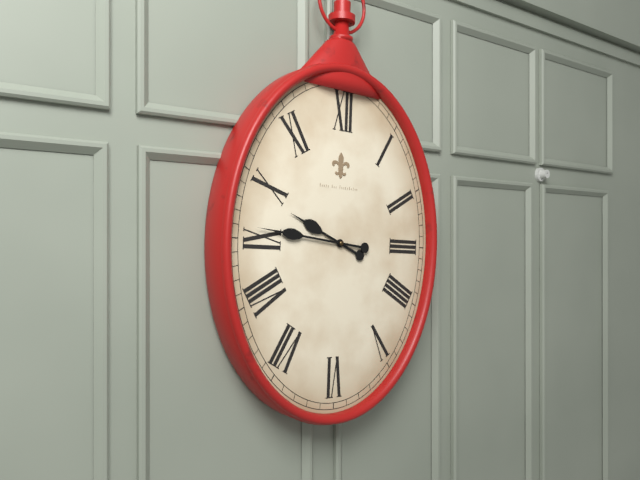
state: 9:46
